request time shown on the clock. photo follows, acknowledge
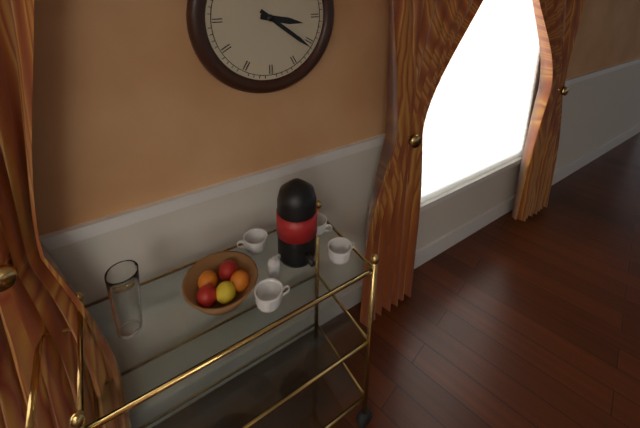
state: 3:21
